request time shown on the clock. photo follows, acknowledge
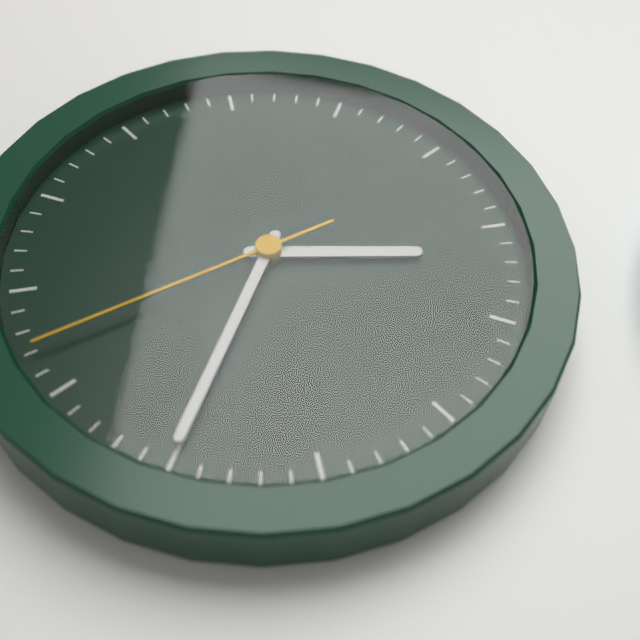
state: 12:20:27
